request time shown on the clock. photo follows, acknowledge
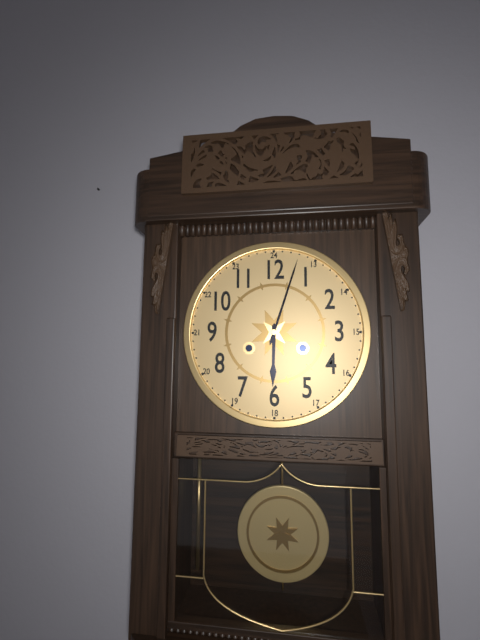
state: 6:03
